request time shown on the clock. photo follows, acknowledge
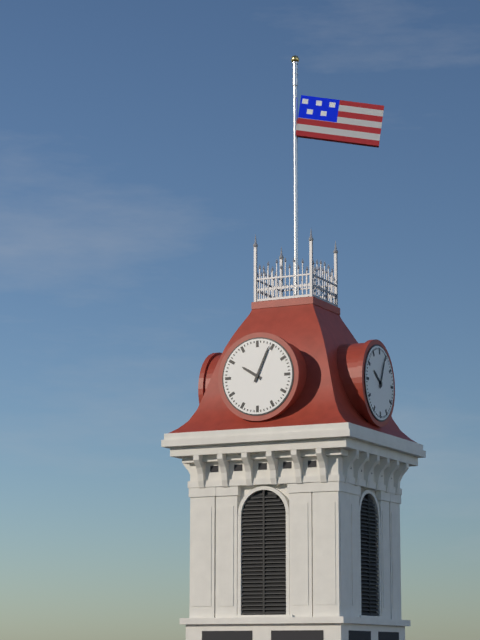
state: 10:04
